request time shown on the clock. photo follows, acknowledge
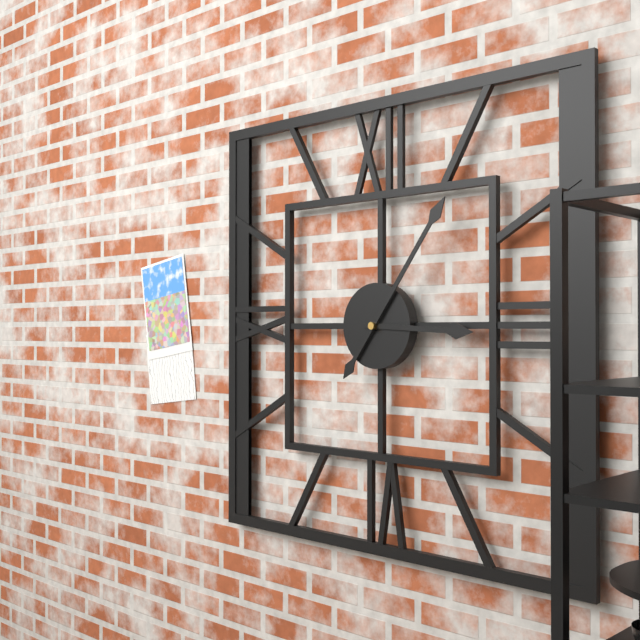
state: 3:06
